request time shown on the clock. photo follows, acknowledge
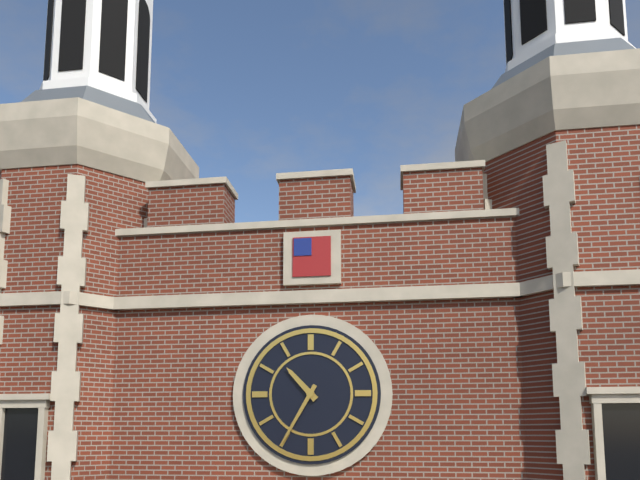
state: 10:35
